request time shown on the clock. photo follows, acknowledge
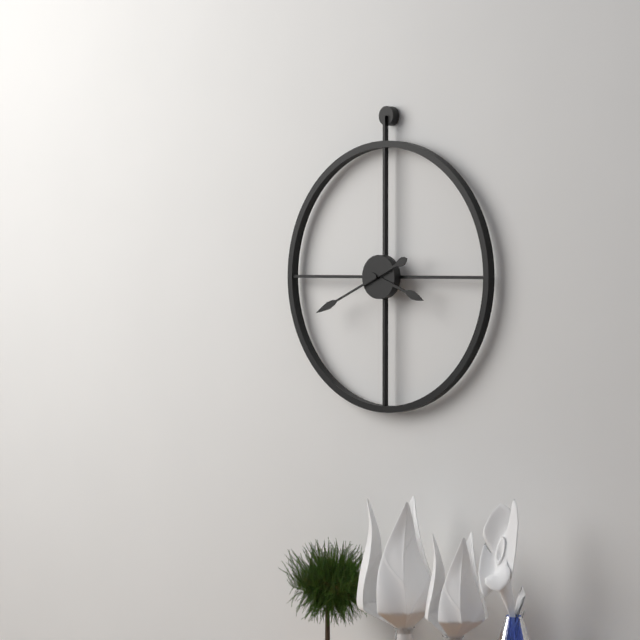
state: 3:41
